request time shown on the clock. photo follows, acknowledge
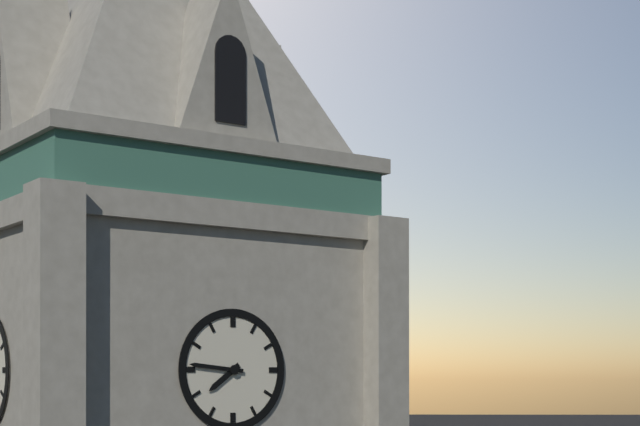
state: 7:46
